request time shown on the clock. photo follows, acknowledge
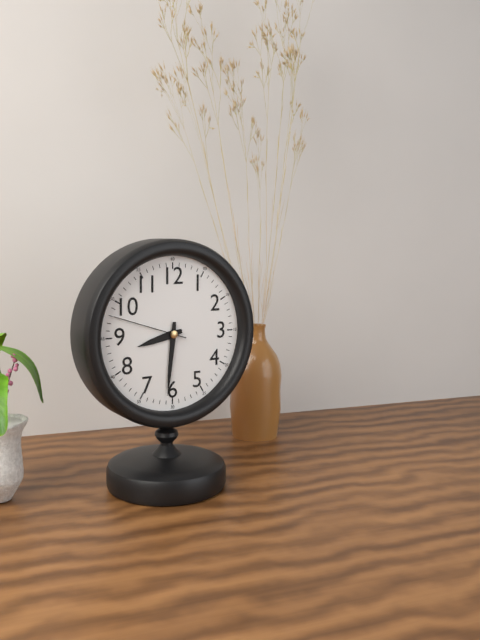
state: 8:31:48
